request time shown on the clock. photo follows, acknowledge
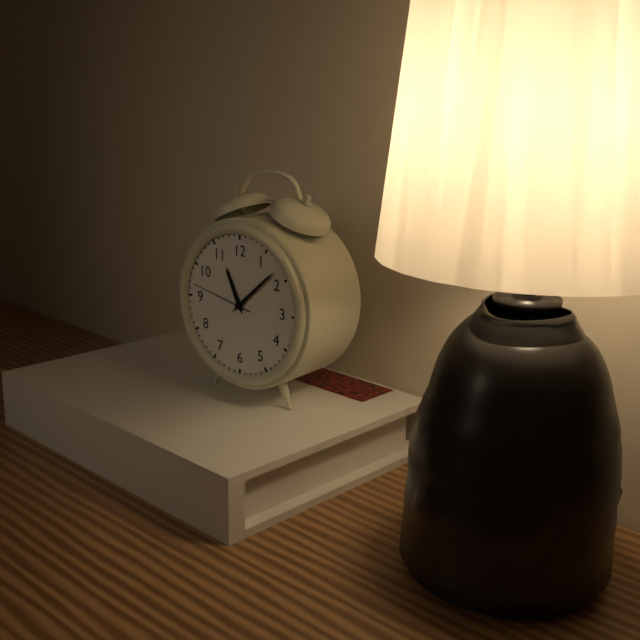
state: 11:08:47
